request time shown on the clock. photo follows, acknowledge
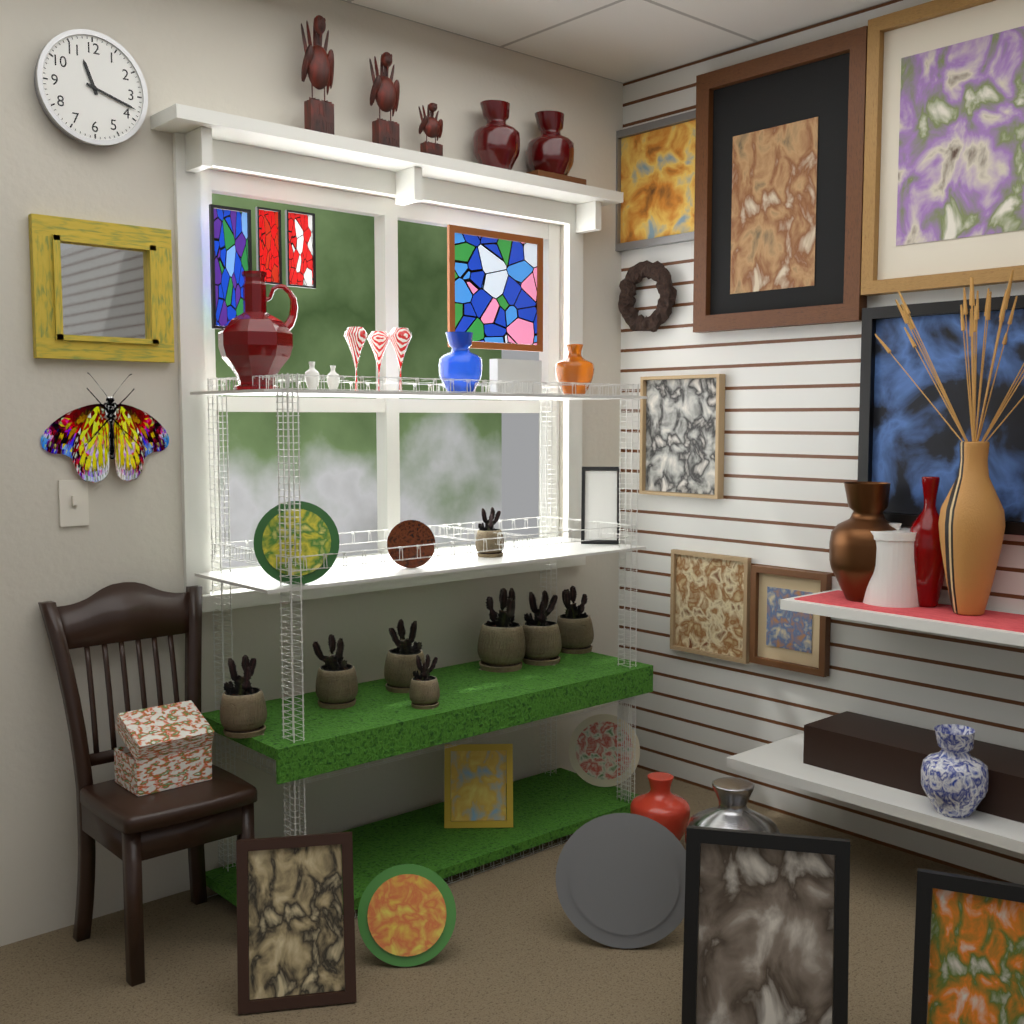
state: 11:18
